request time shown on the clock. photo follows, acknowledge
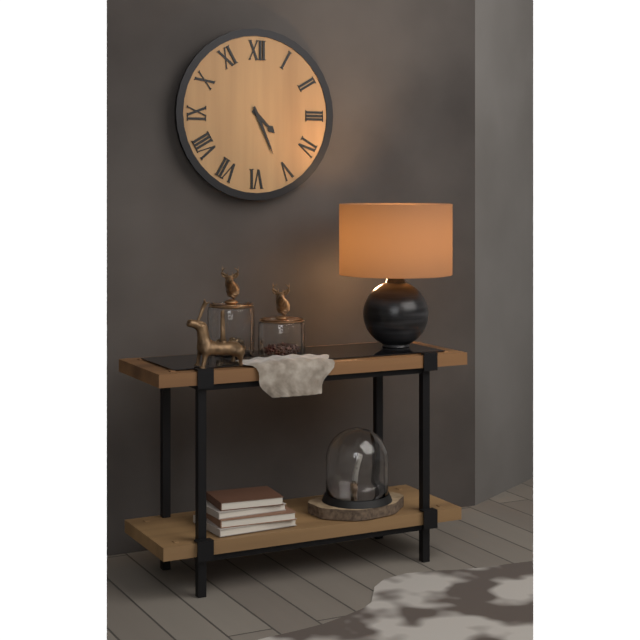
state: 4:26
